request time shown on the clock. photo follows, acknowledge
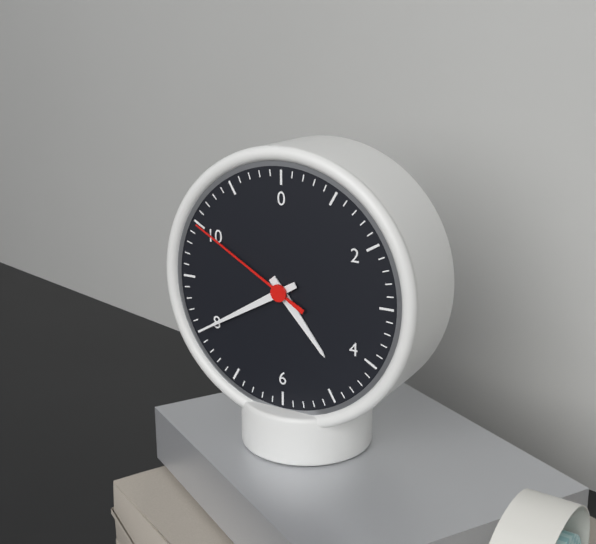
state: 4:40:50
